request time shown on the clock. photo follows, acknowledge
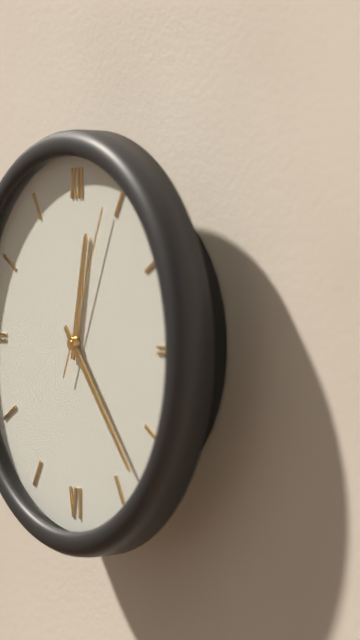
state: 12:23:04
